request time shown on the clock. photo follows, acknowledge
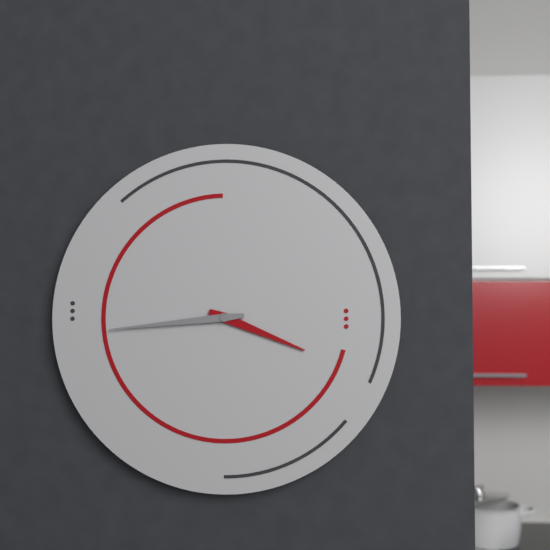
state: 3:44
